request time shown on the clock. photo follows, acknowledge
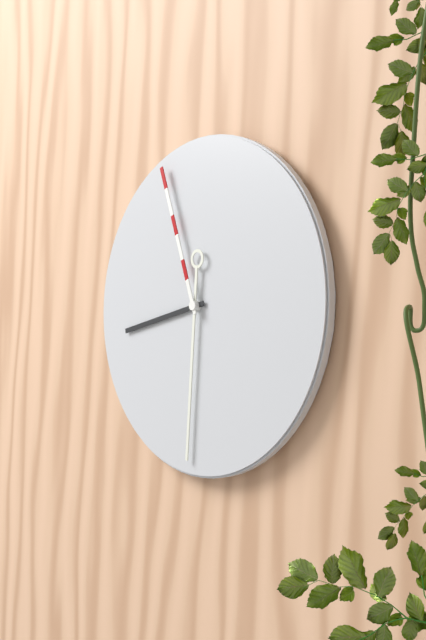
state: 8:30:56
